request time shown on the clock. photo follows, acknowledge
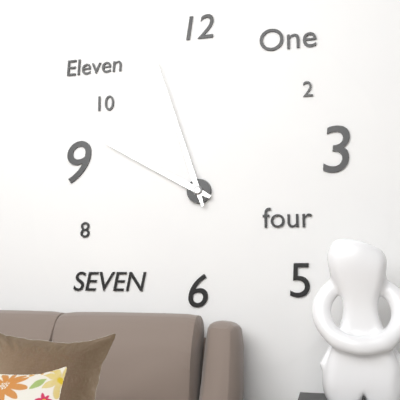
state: 9:57
